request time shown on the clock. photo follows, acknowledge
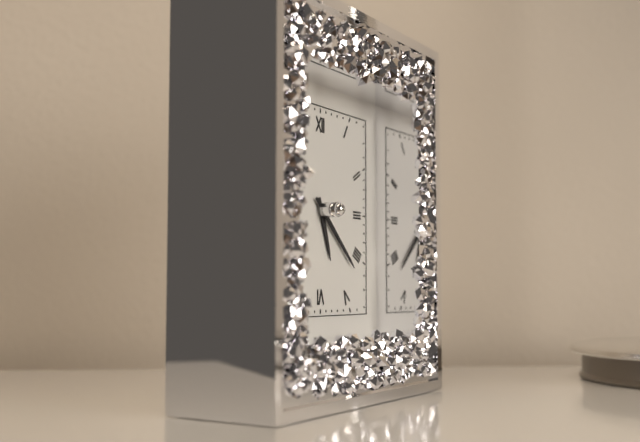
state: 5:22
